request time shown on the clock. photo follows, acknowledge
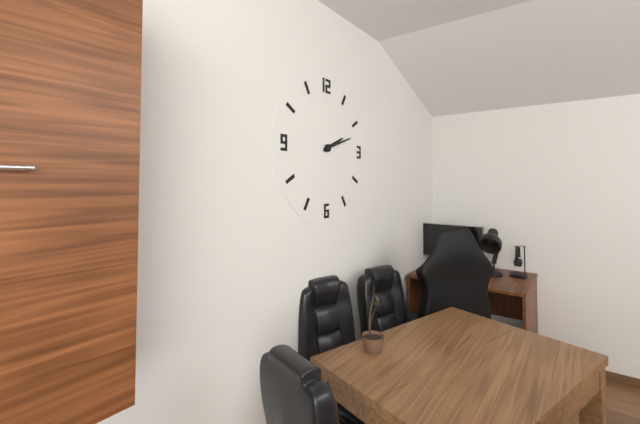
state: 2:12
